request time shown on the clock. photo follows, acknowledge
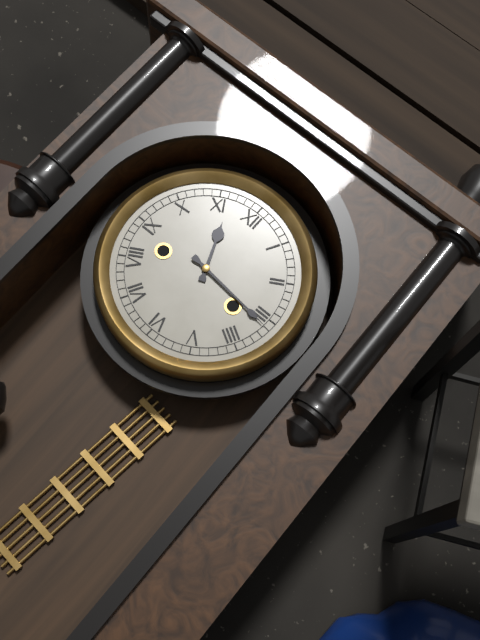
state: 11:16
